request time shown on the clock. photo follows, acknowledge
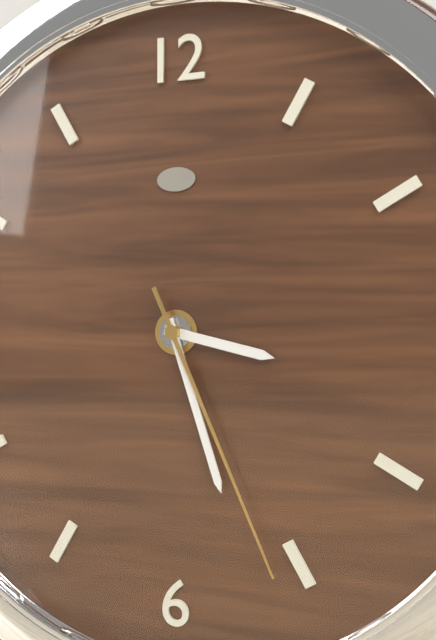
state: 3:27:26
